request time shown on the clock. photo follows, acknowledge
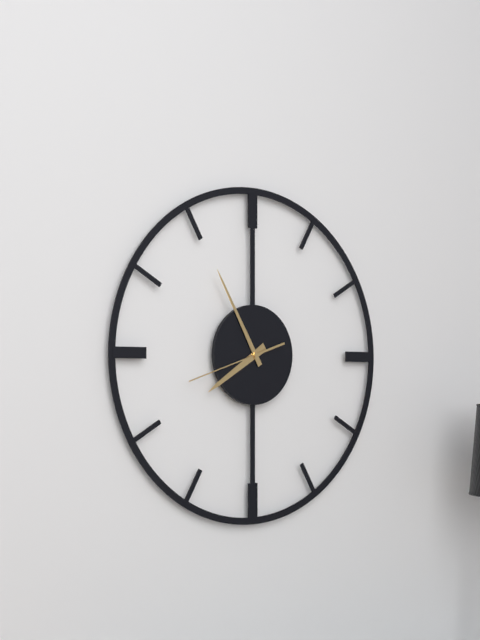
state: 7:55:42
